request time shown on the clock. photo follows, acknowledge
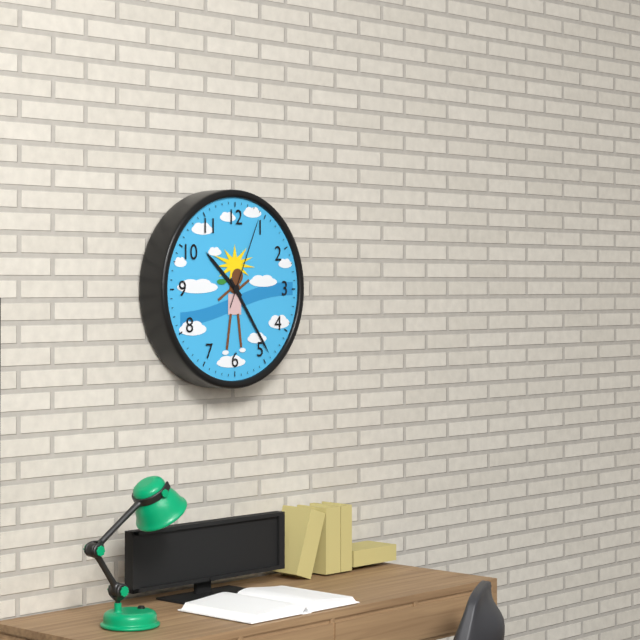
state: 10:24:04
